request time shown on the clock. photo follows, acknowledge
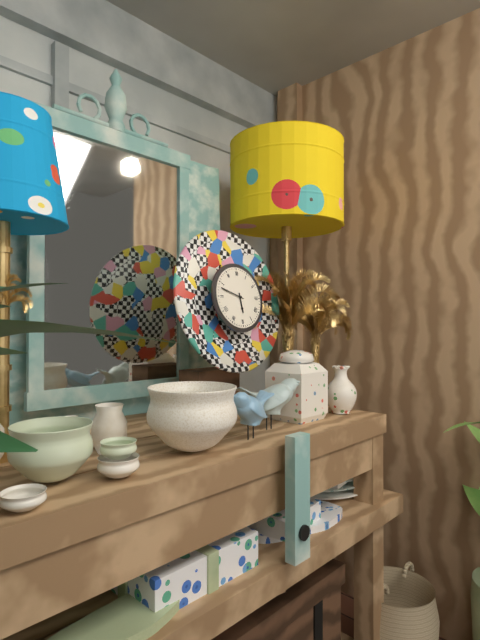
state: 5:48
